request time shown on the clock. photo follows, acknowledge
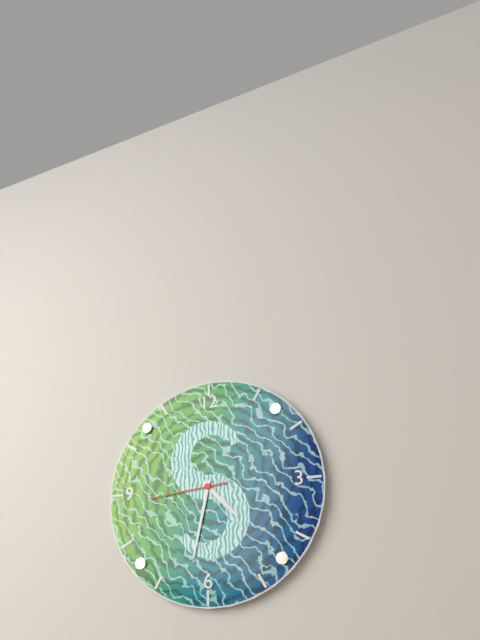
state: 4:32:44
